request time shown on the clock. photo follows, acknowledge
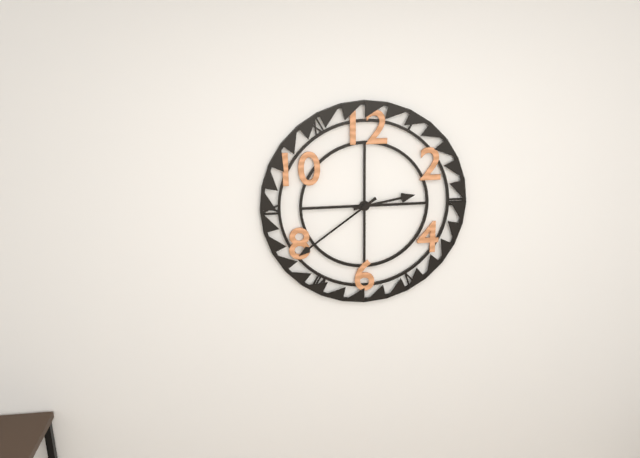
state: 2:39
